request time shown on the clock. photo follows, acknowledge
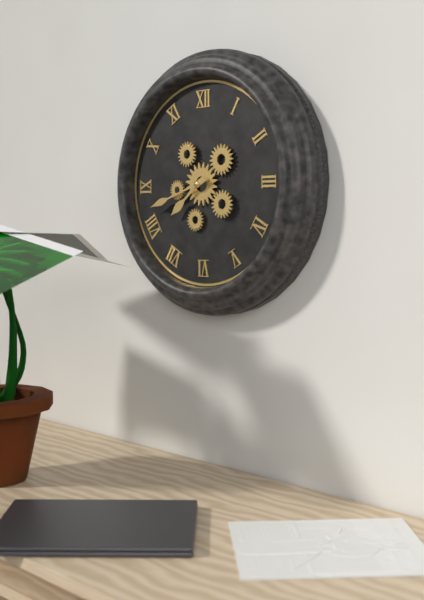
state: 7:42
